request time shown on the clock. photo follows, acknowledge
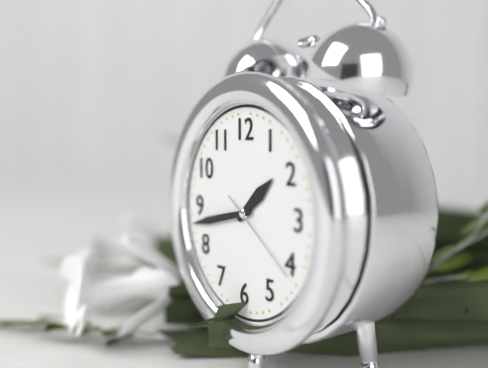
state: 1:43:21
